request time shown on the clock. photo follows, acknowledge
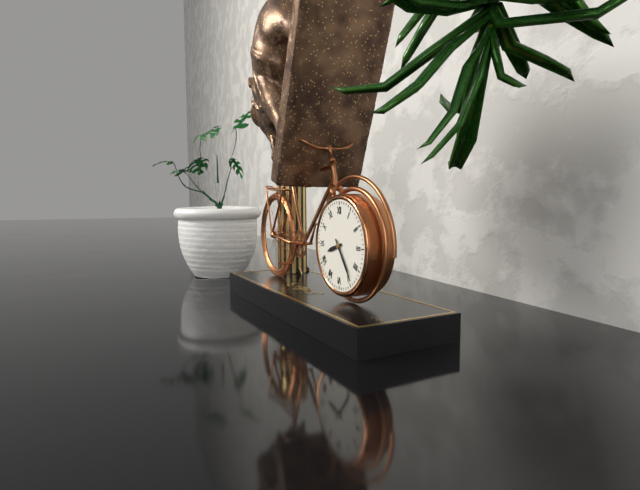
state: 8:24
